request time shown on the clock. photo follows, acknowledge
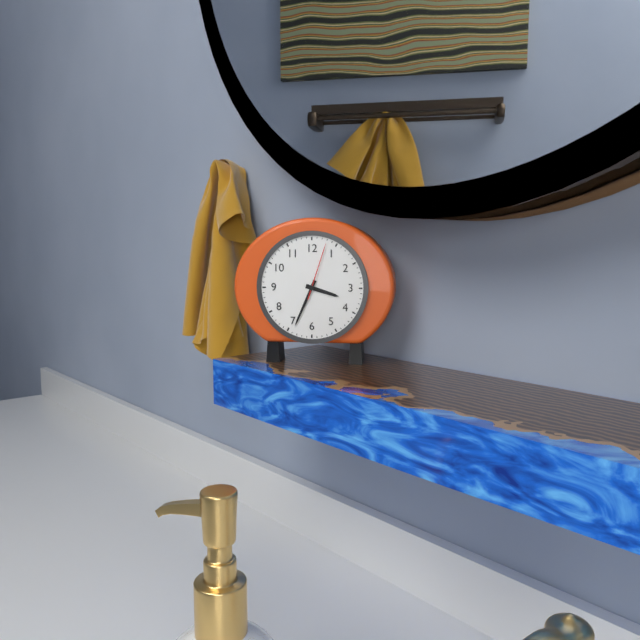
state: 3:34:03
